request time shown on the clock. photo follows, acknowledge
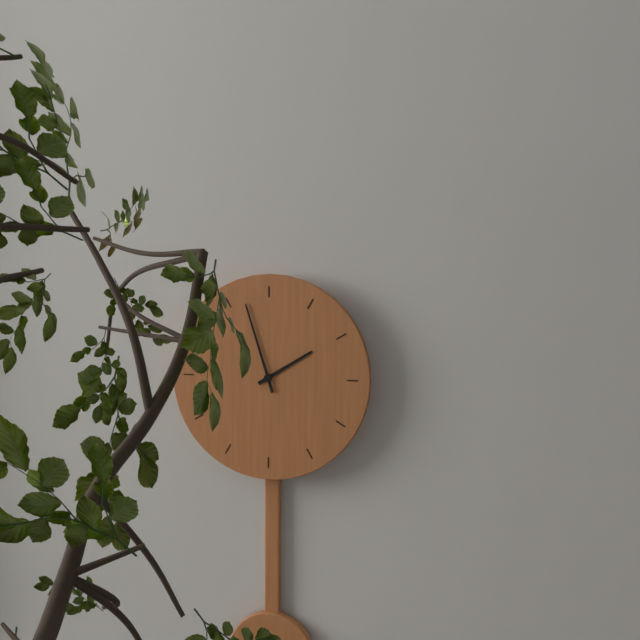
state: 1:57
